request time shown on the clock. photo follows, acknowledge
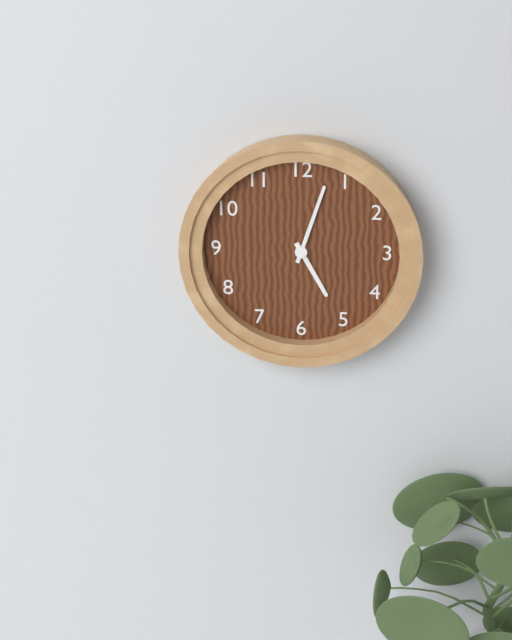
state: 5:03
